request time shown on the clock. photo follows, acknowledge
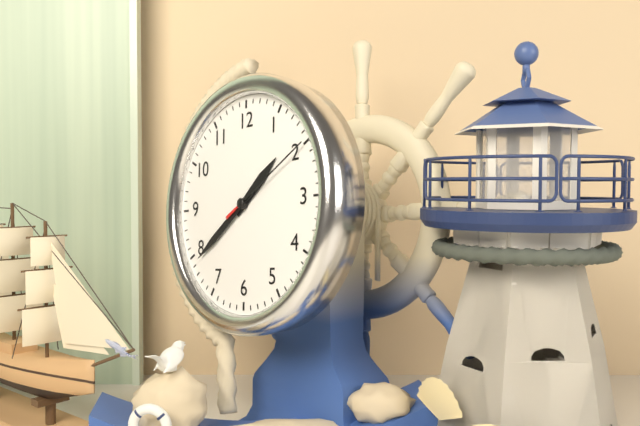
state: 1:39:10
